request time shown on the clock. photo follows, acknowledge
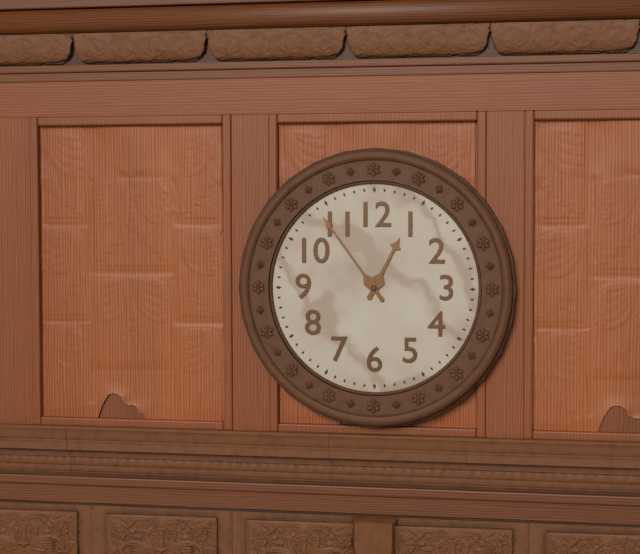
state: 12:54
